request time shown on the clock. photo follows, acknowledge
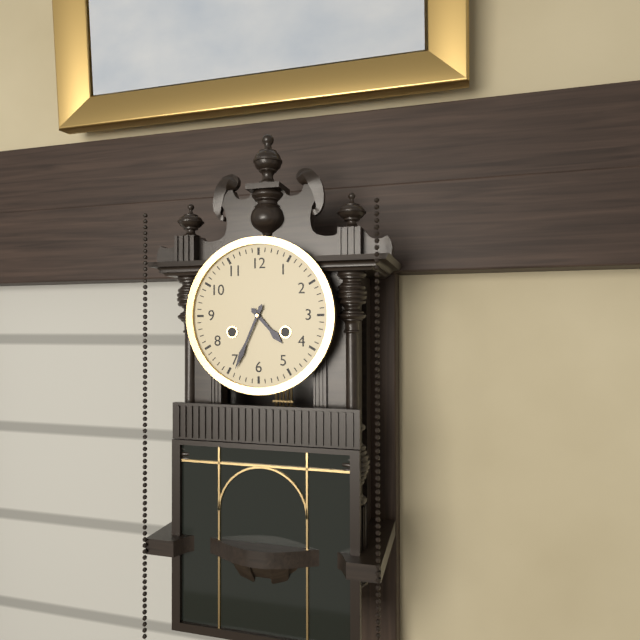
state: 4:34
